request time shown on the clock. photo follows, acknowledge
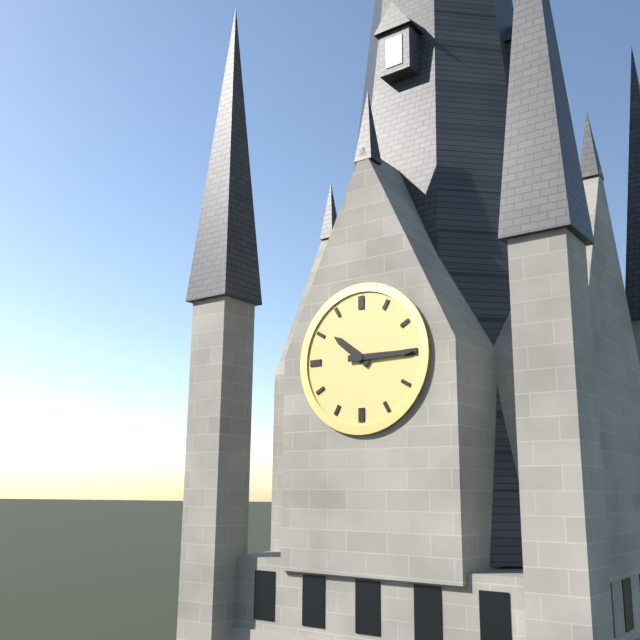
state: 10:15
